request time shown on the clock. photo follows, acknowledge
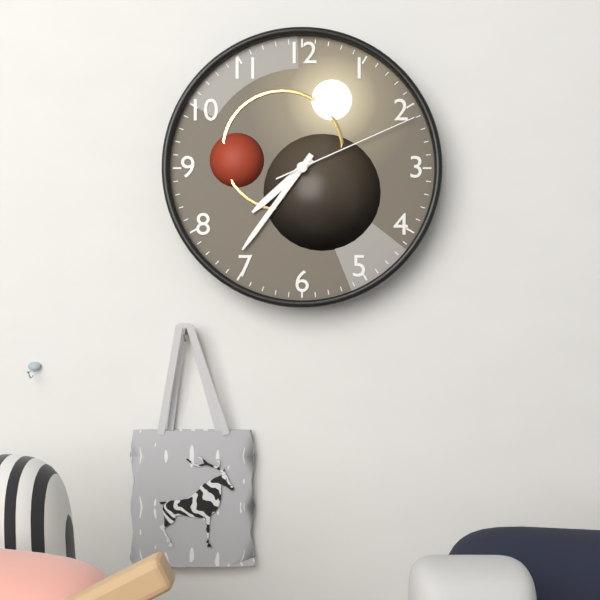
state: 7:36:11
